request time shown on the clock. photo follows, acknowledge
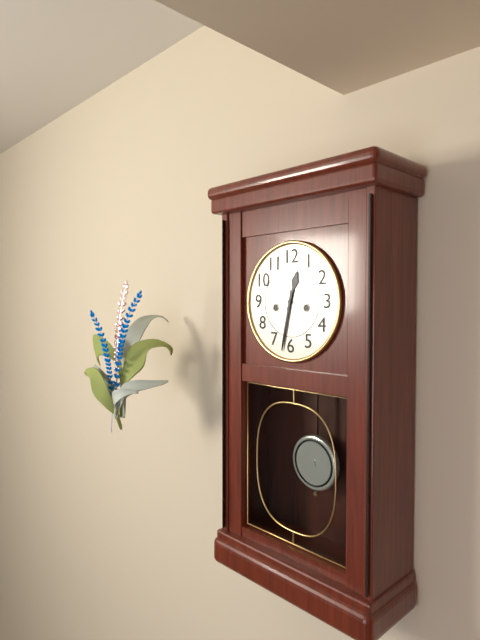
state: 12:32
